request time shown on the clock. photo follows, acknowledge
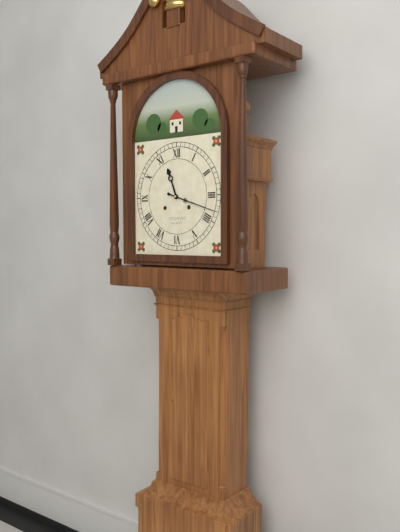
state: 11:18
